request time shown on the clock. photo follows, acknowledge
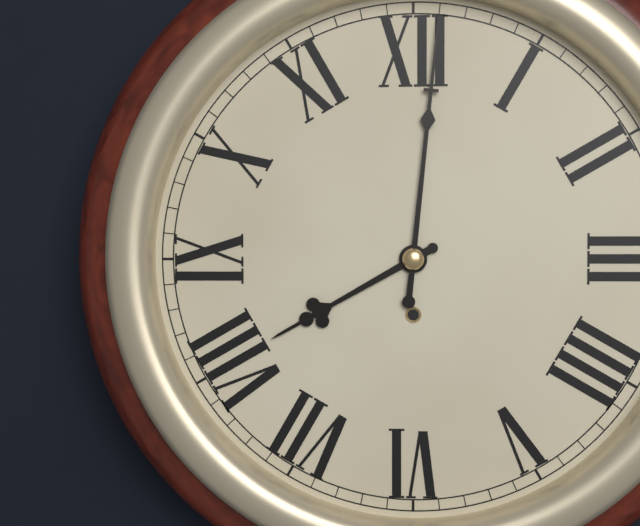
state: 8:01
